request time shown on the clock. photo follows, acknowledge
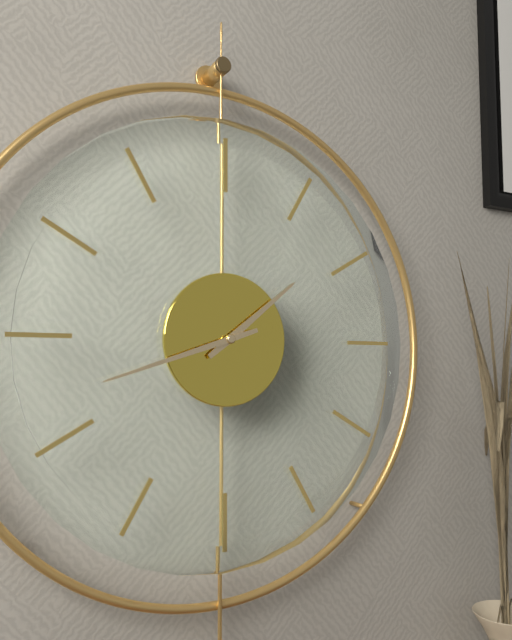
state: 1:42
